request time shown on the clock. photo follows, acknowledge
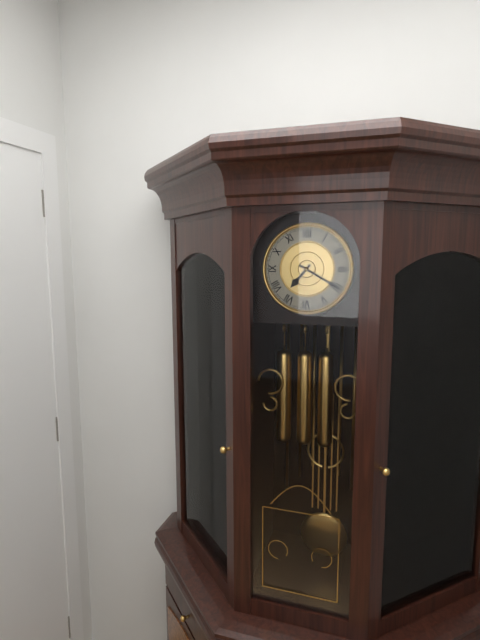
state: 7:20
